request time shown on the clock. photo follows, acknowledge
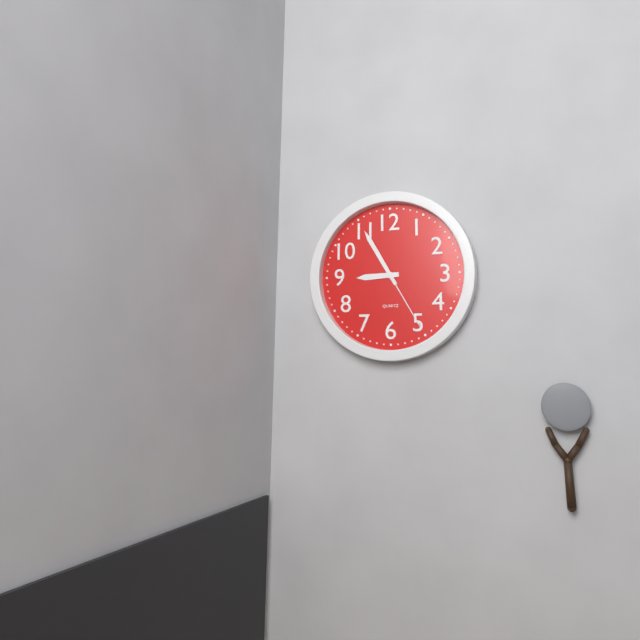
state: 8:55:25
